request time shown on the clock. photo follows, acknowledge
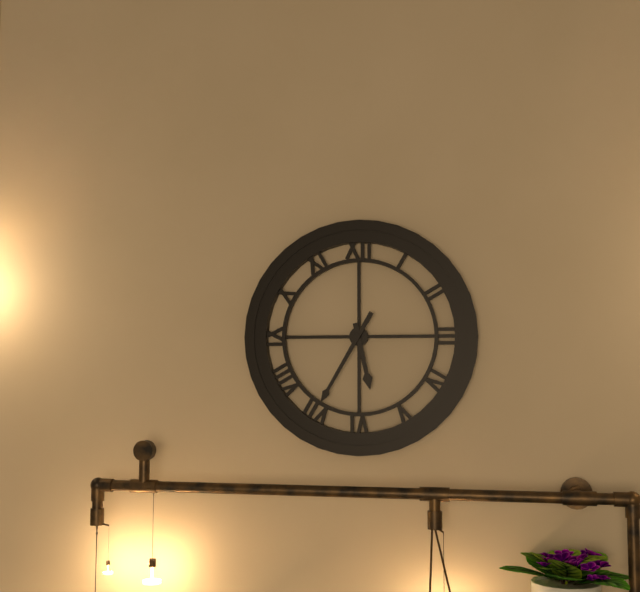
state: 5:35
